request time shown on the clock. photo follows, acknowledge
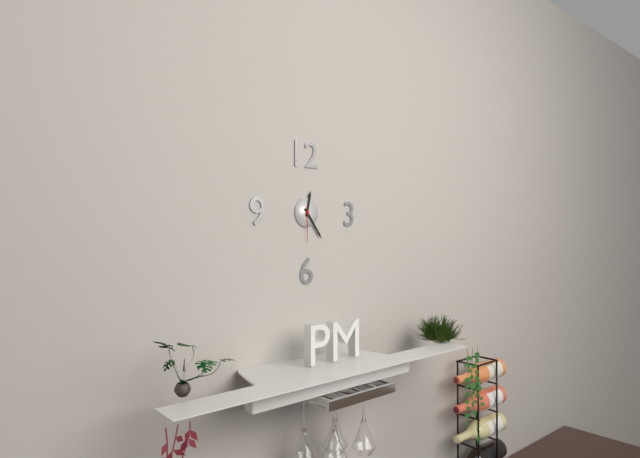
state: 12:24
